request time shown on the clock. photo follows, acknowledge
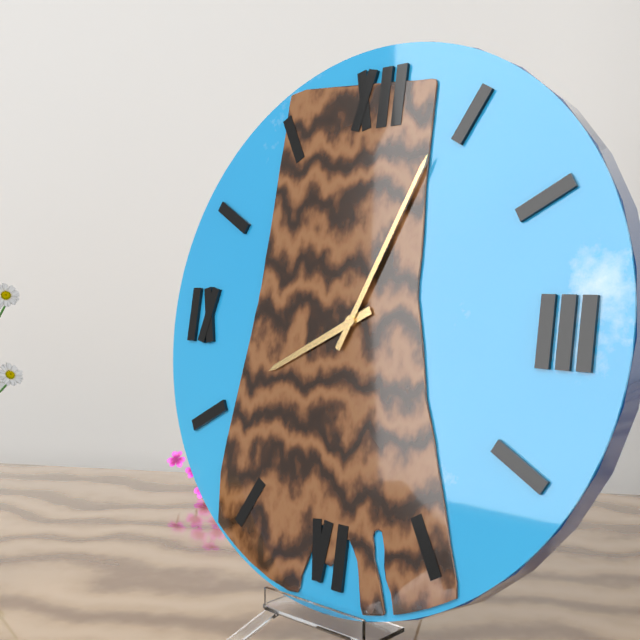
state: 8:04
